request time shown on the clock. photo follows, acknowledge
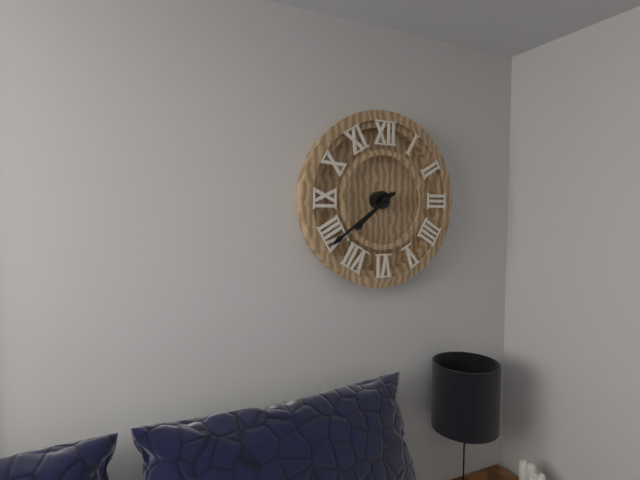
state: 7:39
